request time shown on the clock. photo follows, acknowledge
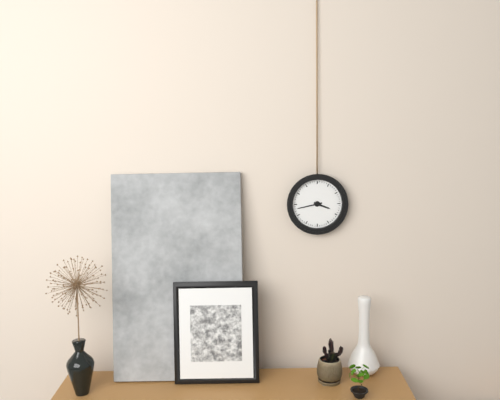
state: 3:43
